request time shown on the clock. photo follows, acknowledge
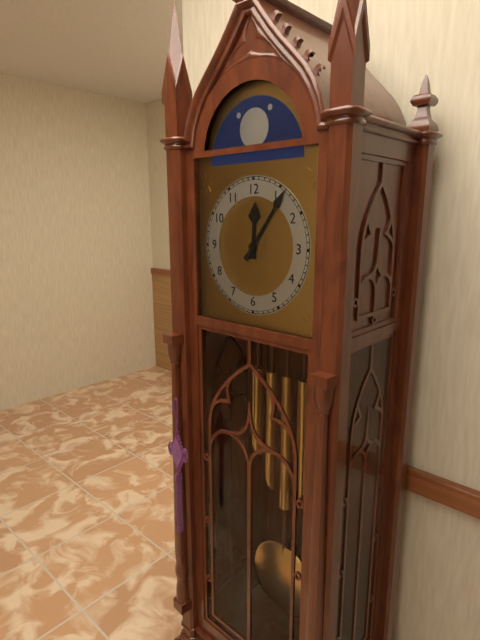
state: 12:06
